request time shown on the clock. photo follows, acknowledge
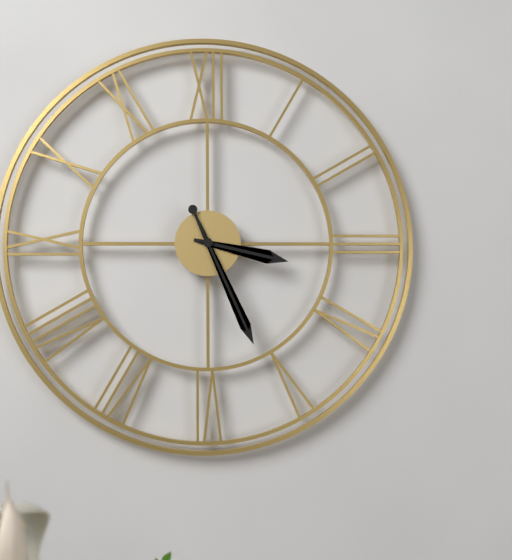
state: 3:26
